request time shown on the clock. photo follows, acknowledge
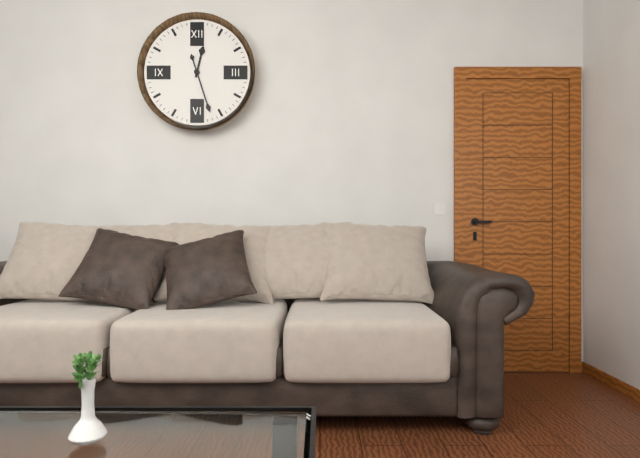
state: 12:27
